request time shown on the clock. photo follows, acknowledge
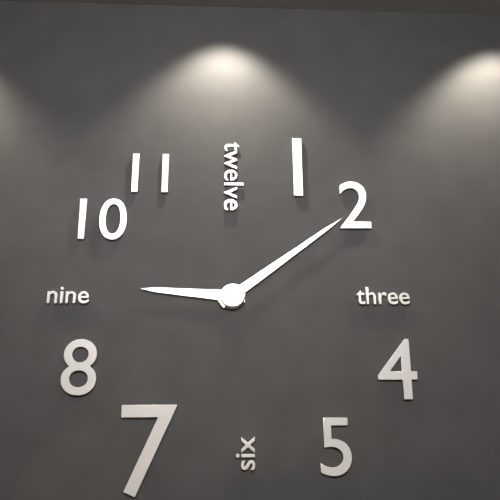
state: 9:09
